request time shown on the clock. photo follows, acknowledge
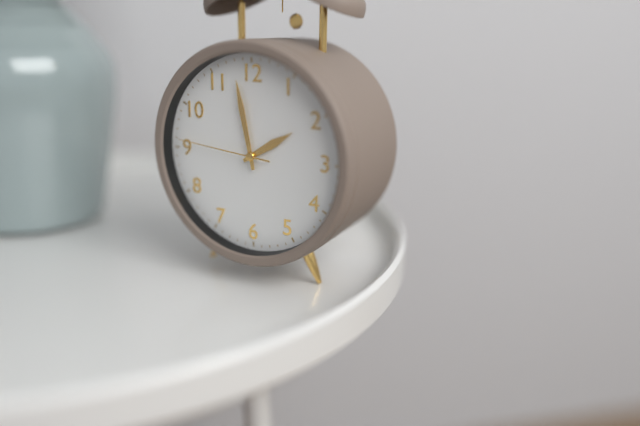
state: 1:58:46
